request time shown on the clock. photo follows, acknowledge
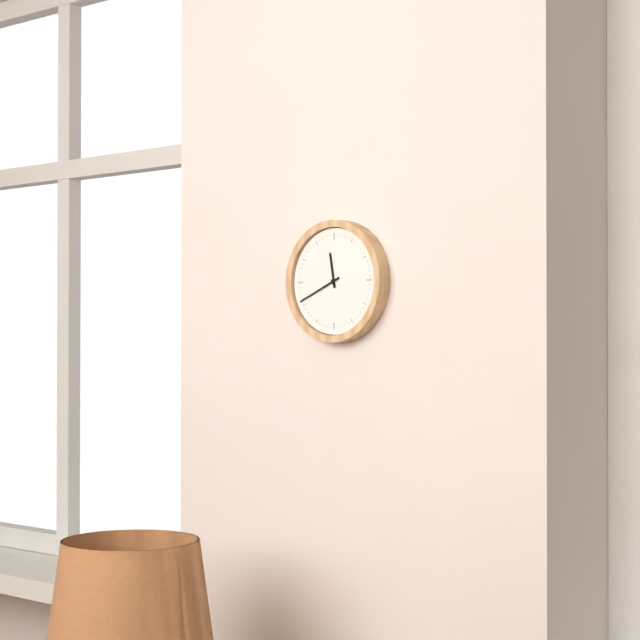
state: 11:41
